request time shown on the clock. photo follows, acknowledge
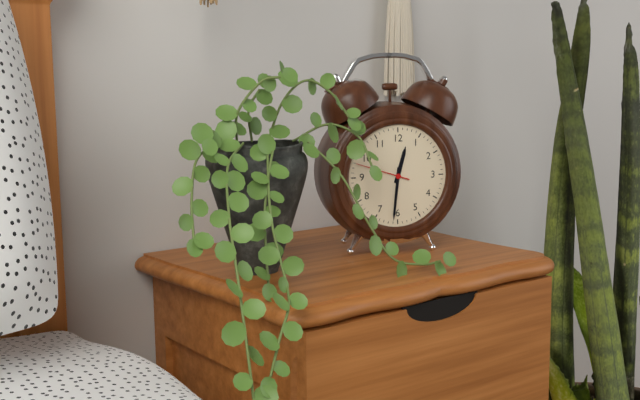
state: 12:31:48
